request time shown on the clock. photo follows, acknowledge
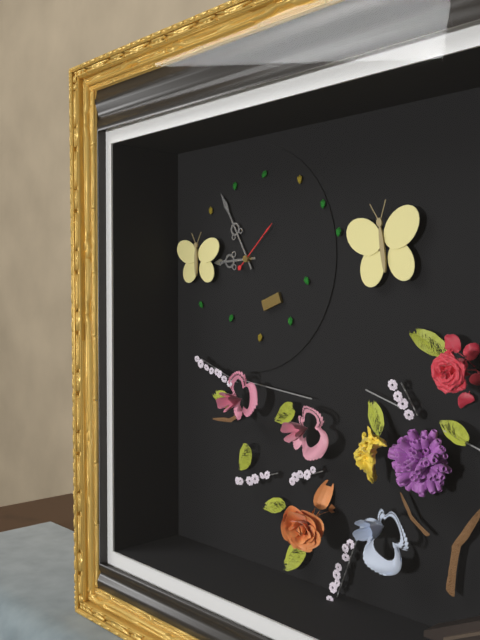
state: 8:55:08
